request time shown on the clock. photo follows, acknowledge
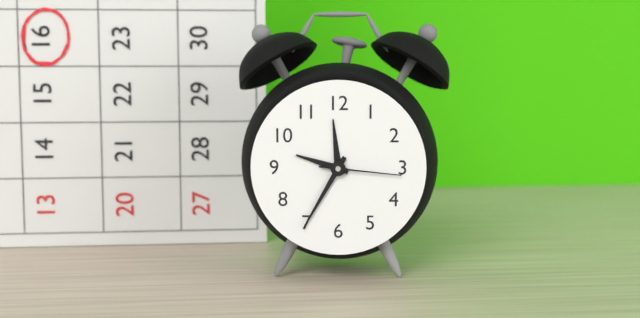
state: 9:35:16
